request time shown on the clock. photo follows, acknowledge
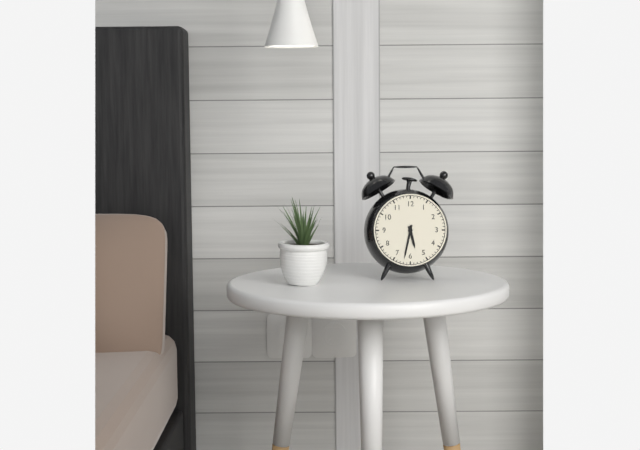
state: 5:32
